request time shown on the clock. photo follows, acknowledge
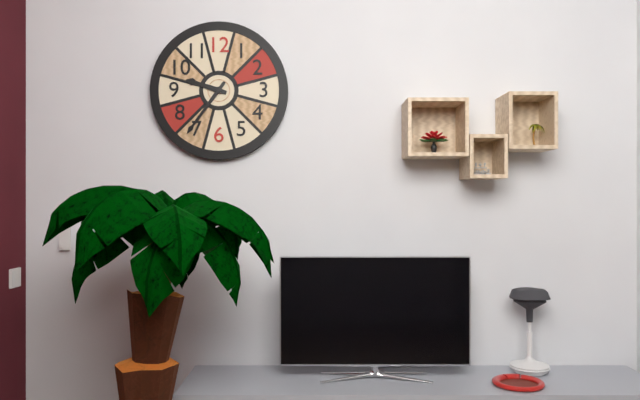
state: 9:36
